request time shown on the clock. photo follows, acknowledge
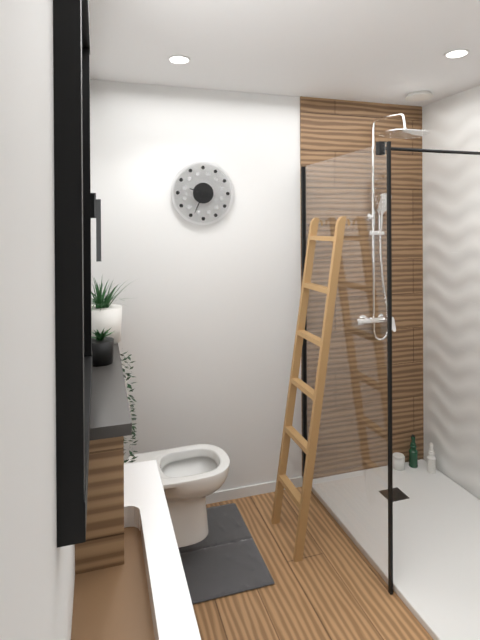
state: 9:34
